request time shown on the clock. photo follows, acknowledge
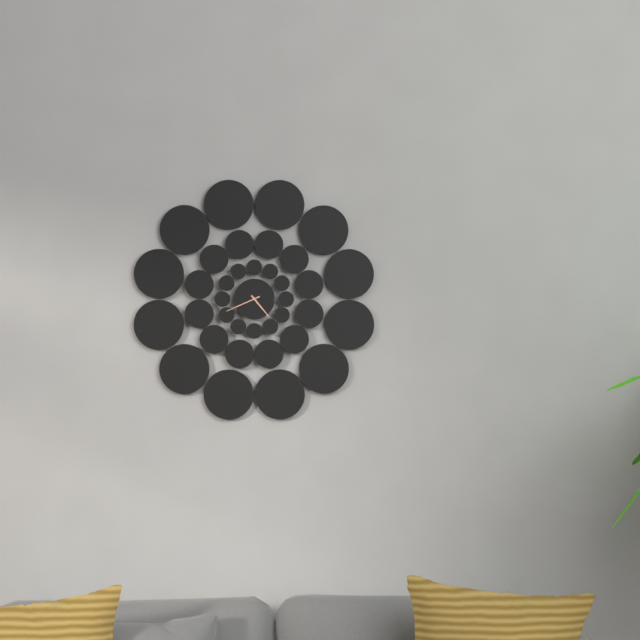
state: 4:41
